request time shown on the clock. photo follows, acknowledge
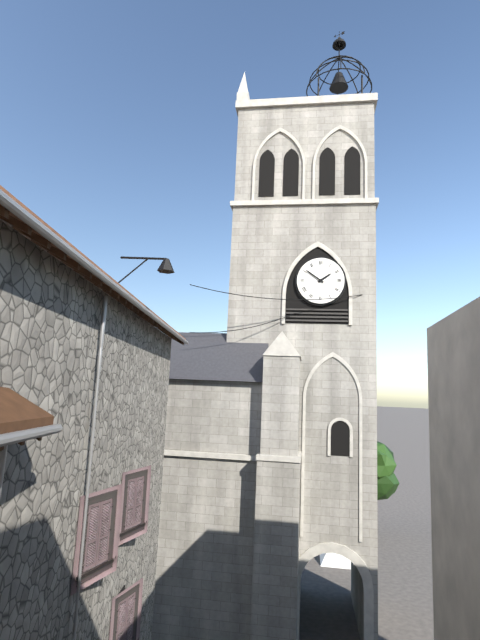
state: 1:51
